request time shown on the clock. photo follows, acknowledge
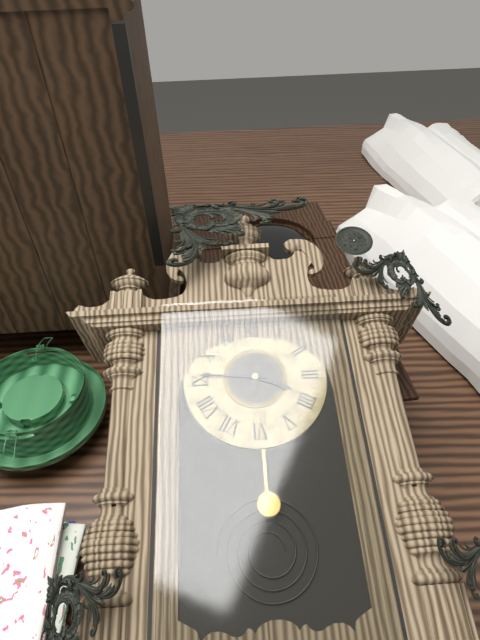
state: 3:46
